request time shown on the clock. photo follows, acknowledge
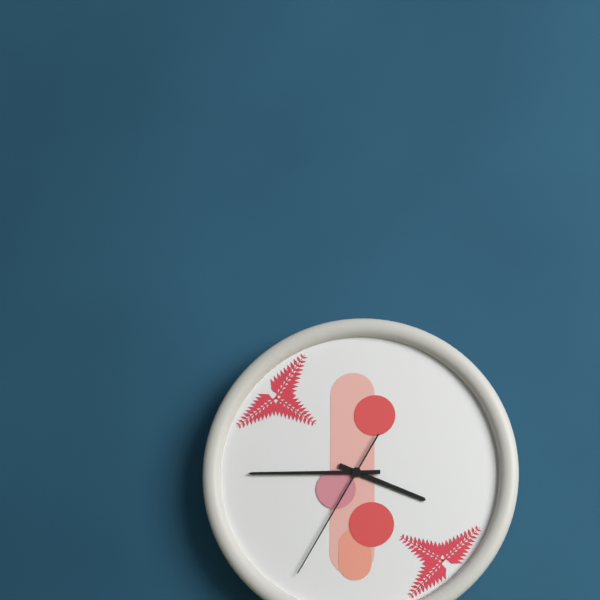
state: 3:45:35
